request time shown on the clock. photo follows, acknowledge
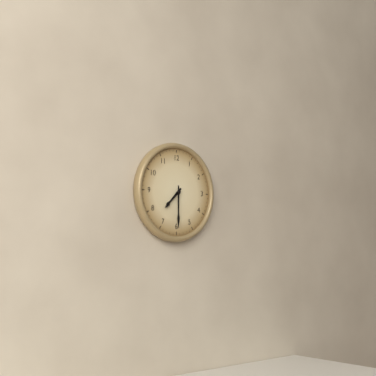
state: 7:30
